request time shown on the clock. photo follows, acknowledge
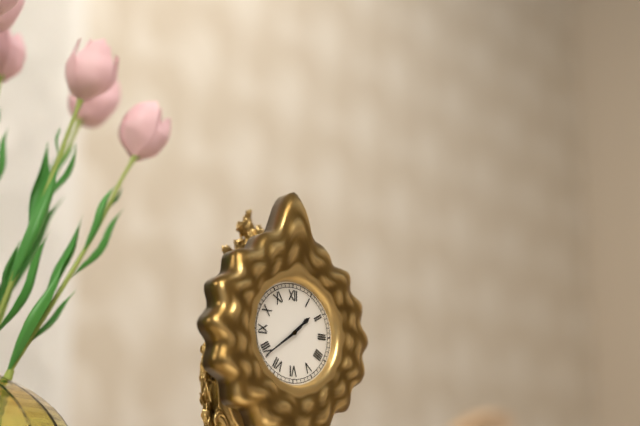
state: 1:39
